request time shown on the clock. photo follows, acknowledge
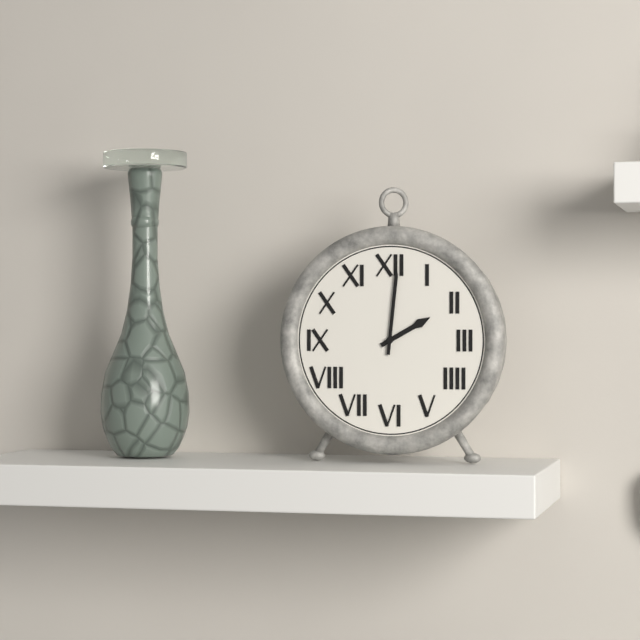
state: 2:01
